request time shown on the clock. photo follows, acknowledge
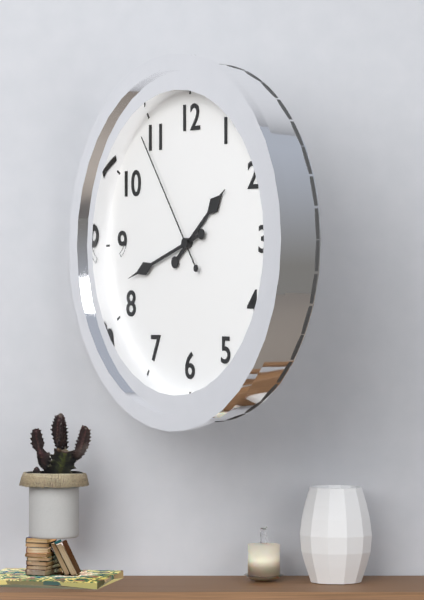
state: 1:42:54
